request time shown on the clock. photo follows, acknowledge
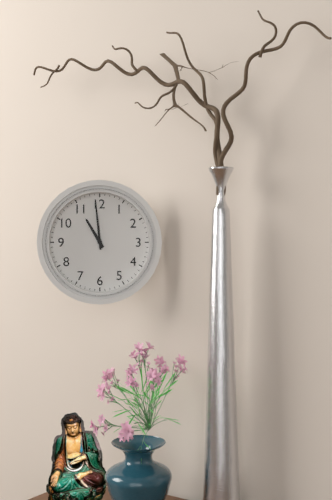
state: 10:59
